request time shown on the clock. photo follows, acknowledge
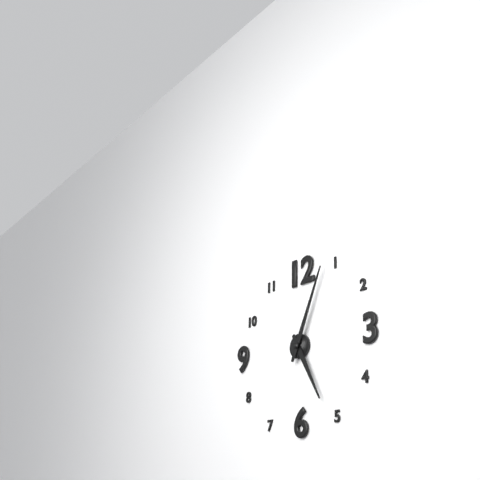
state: 5:04
